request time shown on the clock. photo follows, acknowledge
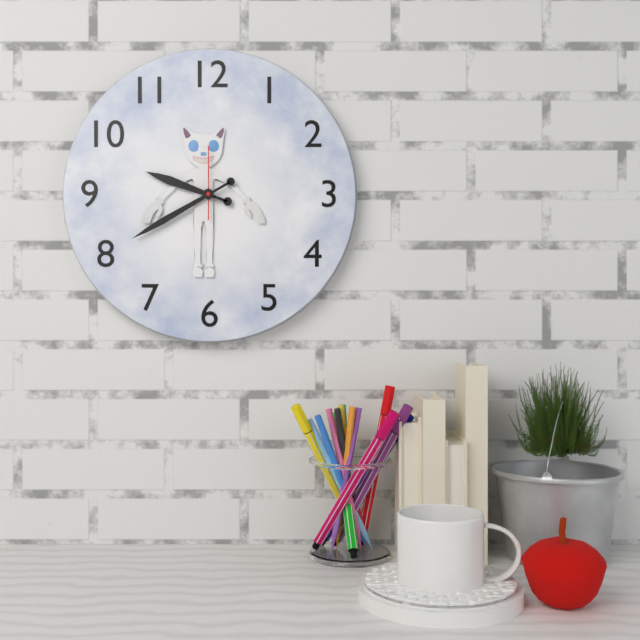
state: 9:40:00
